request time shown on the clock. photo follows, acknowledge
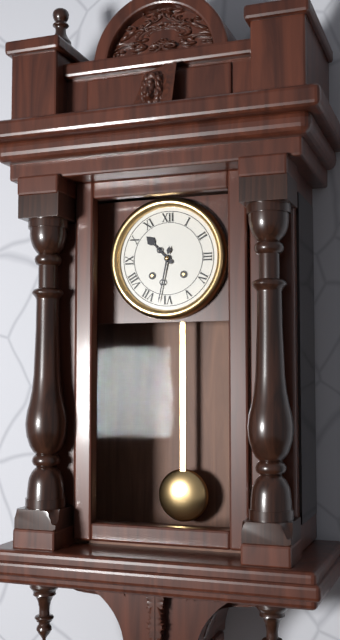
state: 10:32
